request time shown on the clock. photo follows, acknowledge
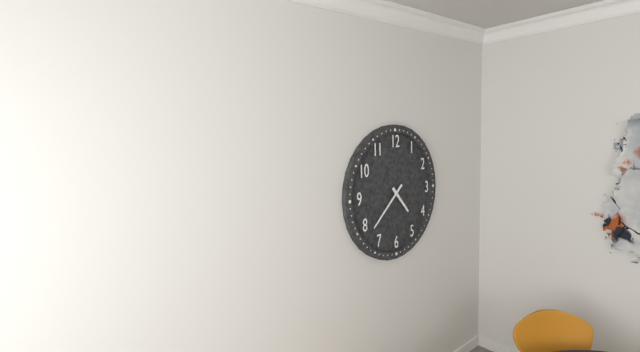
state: 4:38
